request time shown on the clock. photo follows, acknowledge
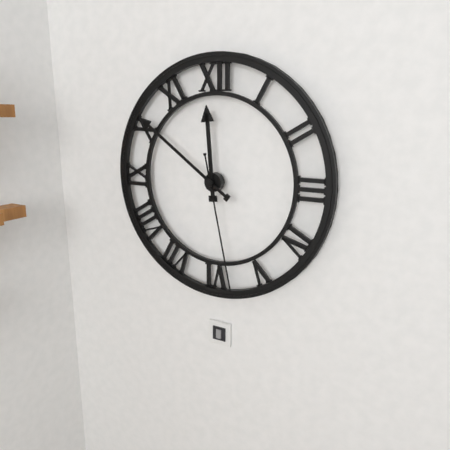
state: 11:51:28
